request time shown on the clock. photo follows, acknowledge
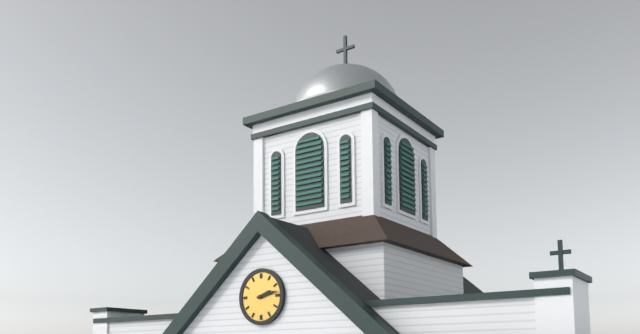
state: 2:13
